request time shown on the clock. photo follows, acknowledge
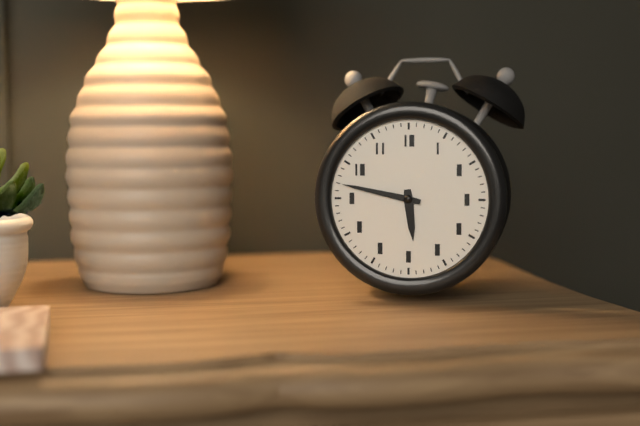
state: 5:47
